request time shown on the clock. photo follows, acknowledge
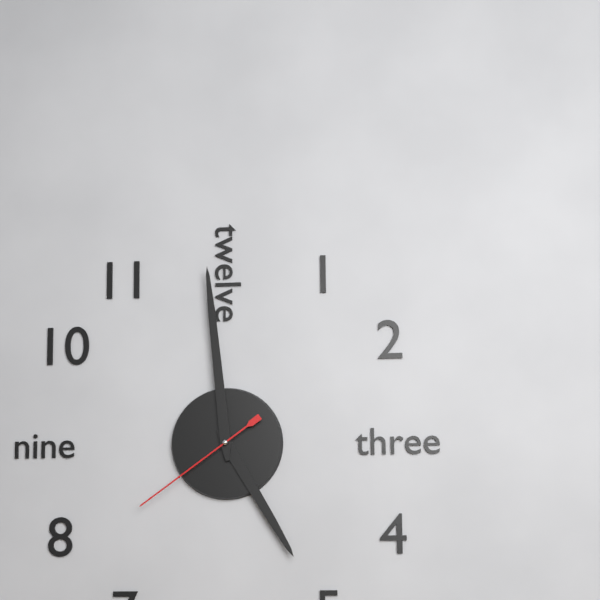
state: 4:59:39
